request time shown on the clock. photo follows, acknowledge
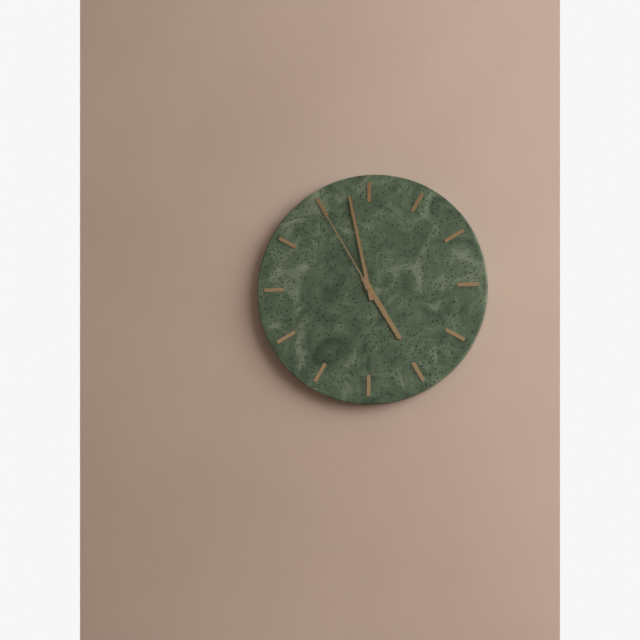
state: 4:58:55
